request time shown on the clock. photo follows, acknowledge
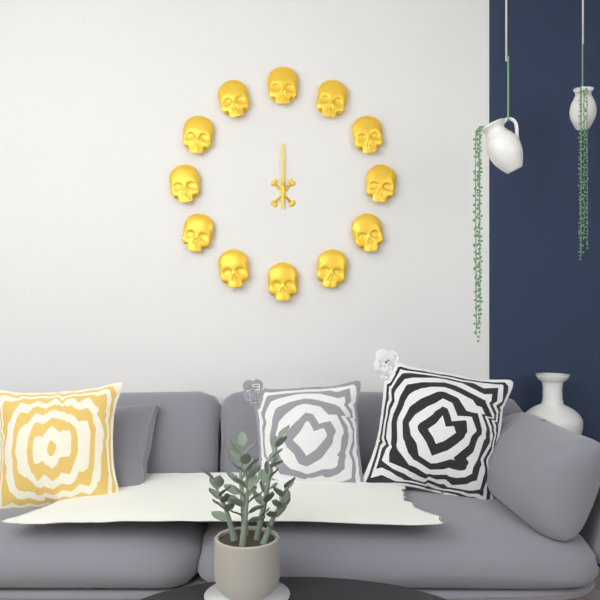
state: 6:00
